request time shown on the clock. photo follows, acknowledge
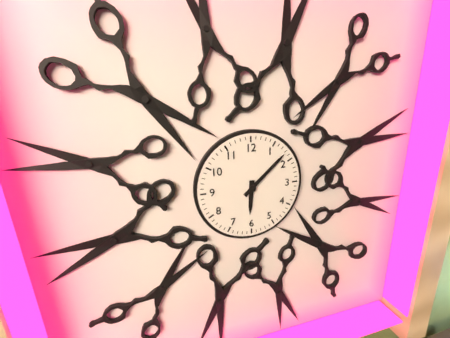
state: 6:08
